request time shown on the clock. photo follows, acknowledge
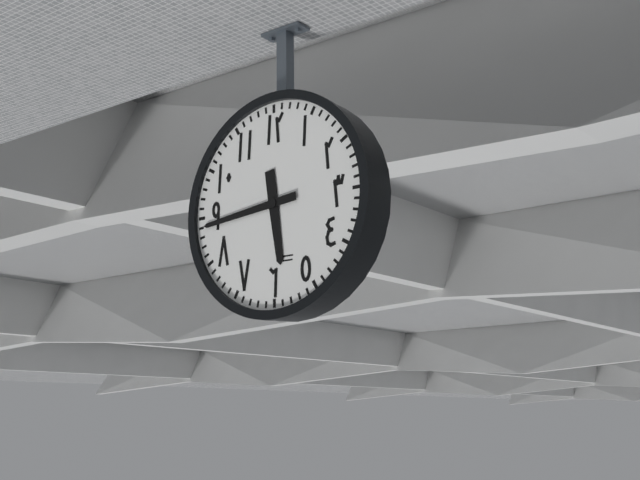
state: 5:44
